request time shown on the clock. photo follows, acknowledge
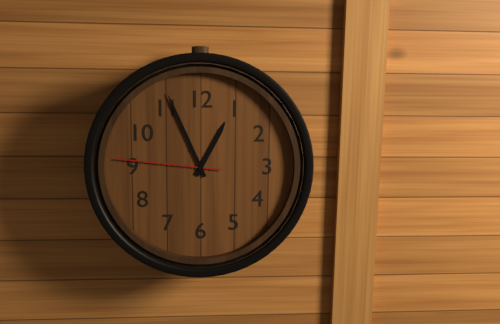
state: 12:56:46
